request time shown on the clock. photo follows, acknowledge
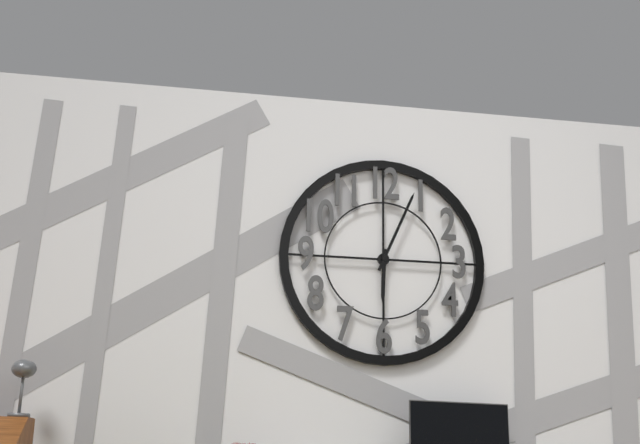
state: 6:04
